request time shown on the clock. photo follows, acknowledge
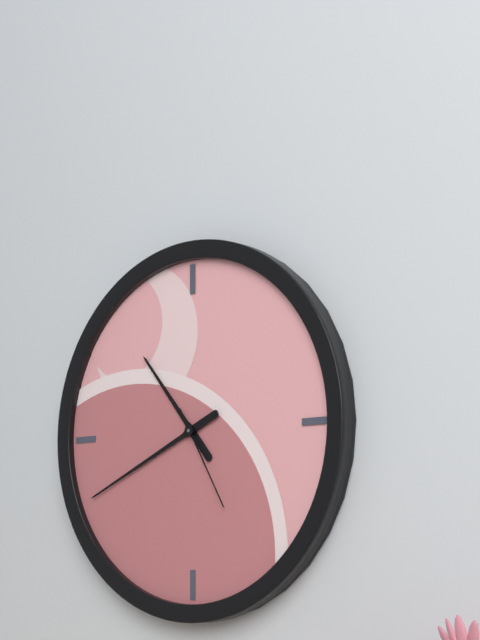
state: 10:41:25
